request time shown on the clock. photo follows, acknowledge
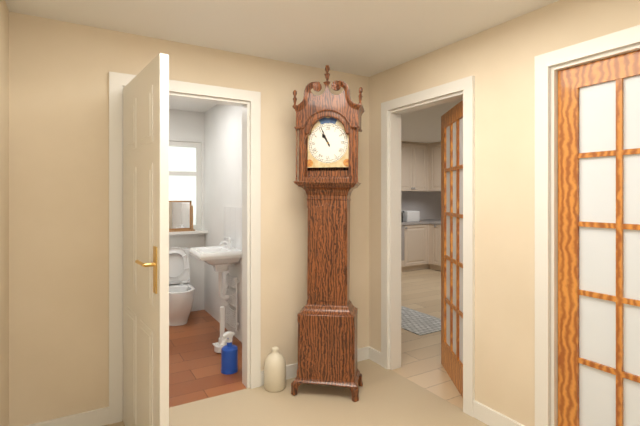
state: 10:56
